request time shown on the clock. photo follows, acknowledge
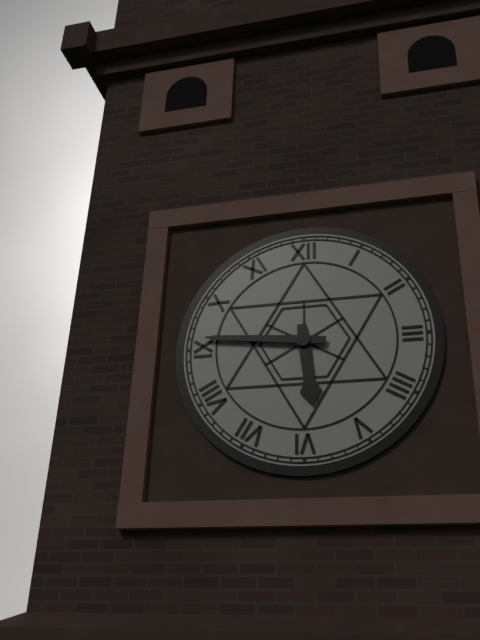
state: 5:46
